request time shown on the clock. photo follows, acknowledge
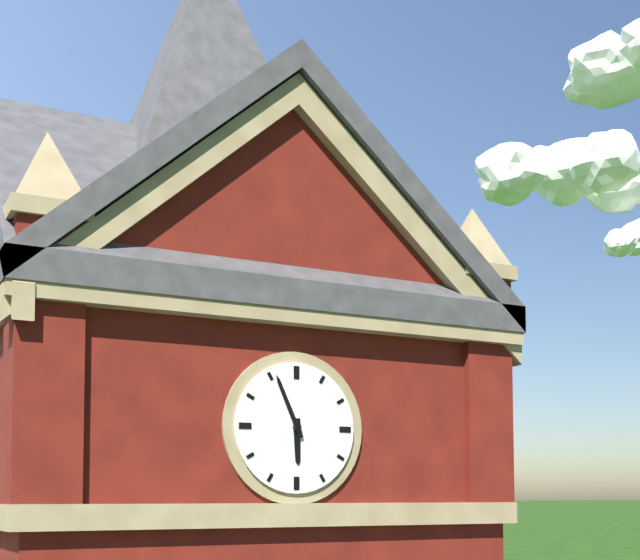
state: 5:56
